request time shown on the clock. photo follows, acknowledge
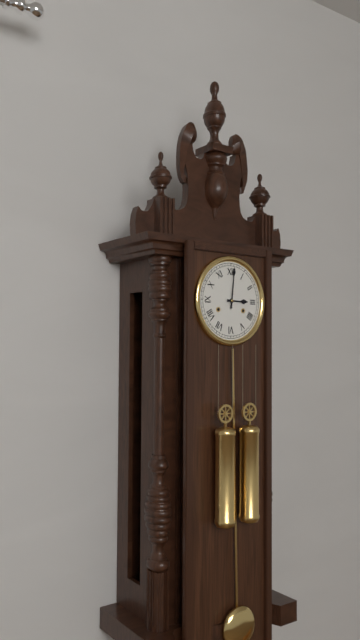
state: 3:01
